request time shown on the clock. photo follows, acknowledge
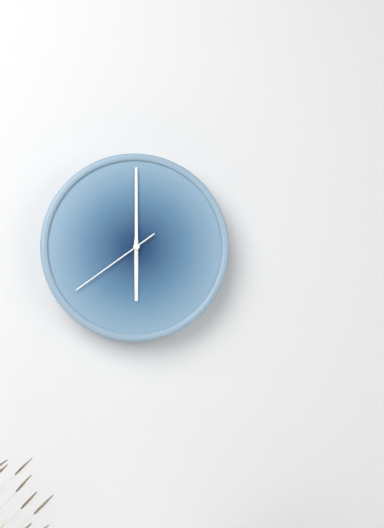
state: 6:00:39
